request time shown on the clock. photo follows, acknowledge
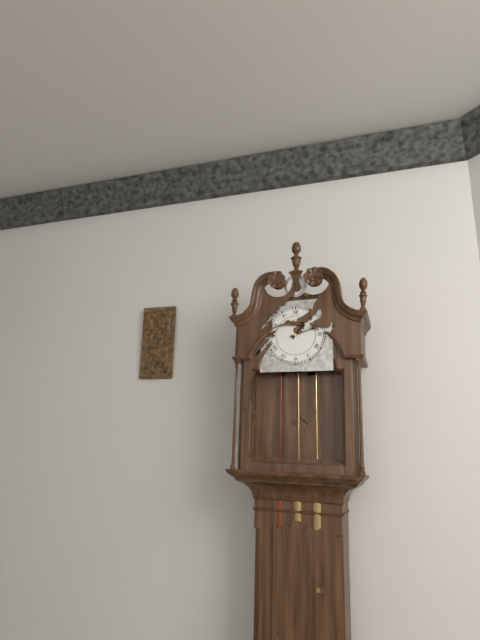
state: 1:12
